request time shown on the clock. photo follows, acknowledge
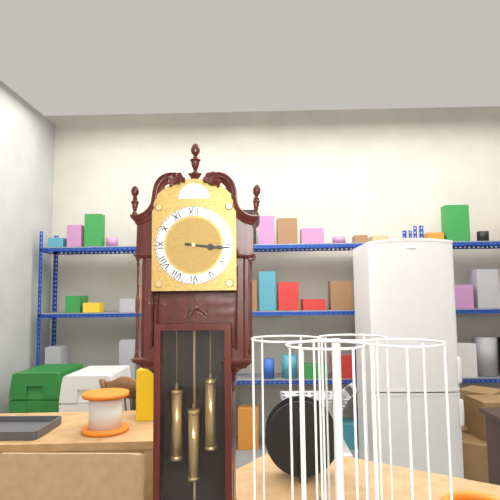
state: 3:16
